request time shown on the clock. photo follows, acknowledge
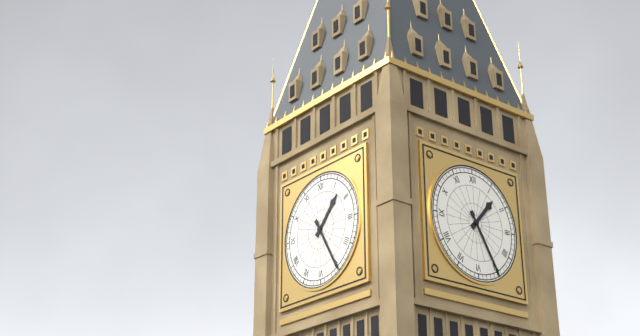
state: 1:25
